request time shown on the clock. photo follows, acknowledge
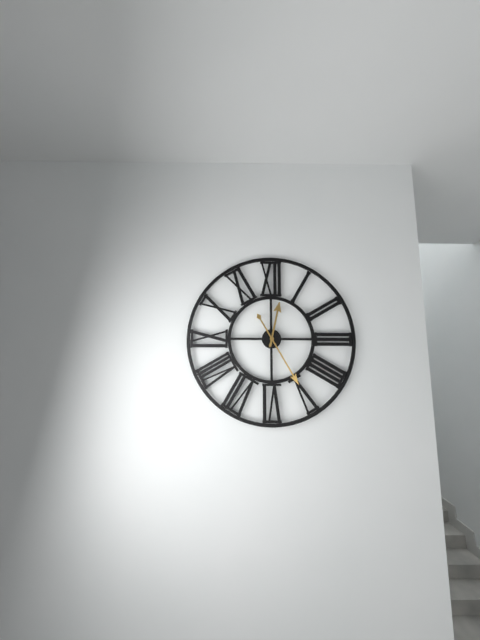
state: 12:25
